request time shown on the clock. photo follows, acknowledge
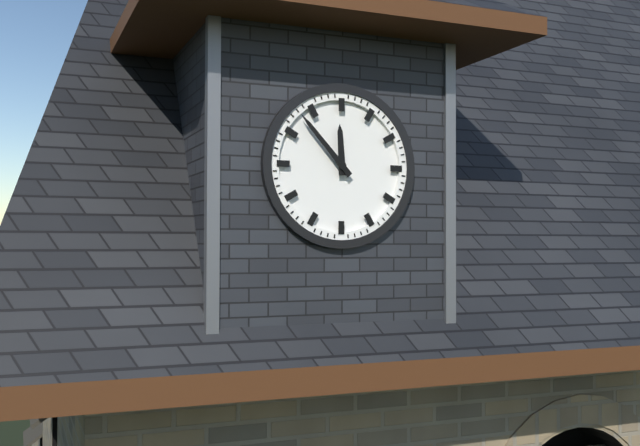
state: 11:53
